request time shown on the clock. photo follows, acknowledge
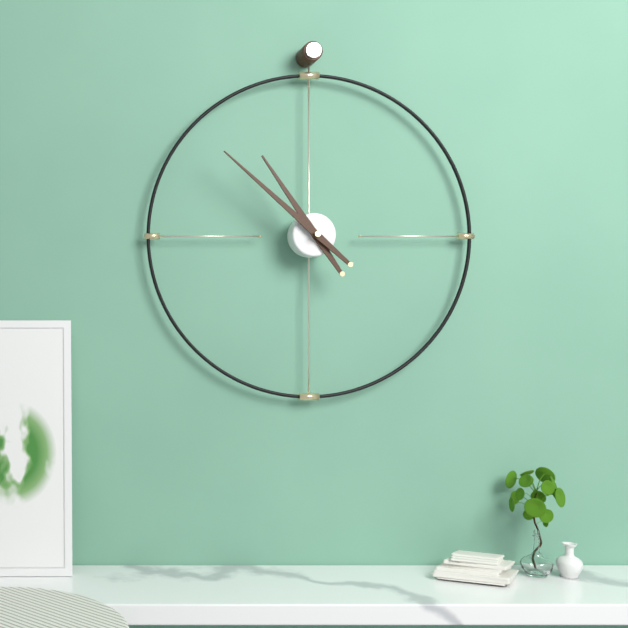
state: 10:52
